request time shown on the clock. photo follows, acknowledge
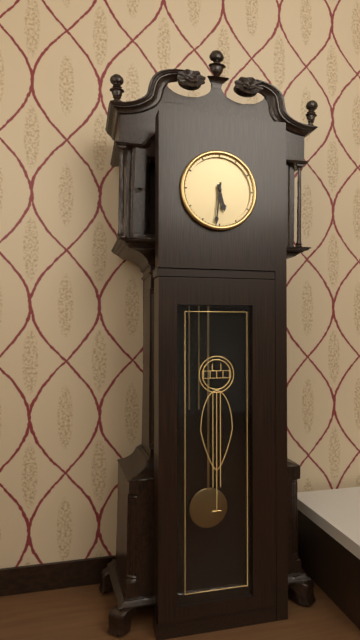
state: 5:31
